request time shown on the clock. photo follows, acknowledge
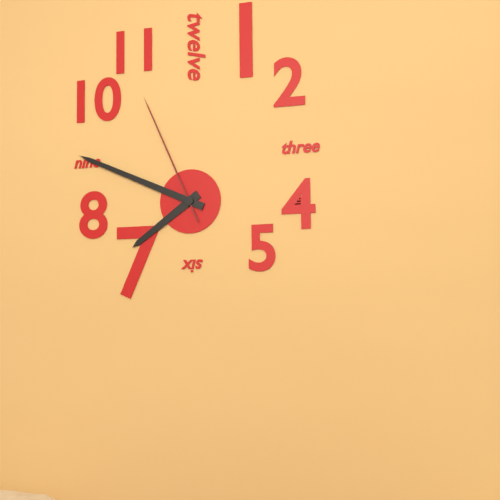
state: 7:49:56
